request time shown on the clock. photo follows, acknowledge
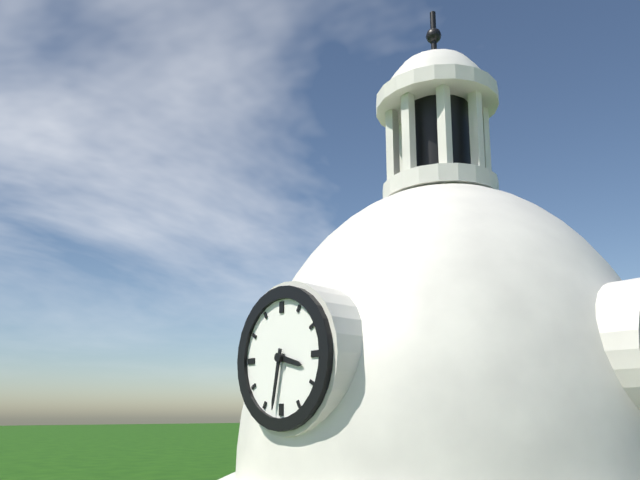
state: 3:32
